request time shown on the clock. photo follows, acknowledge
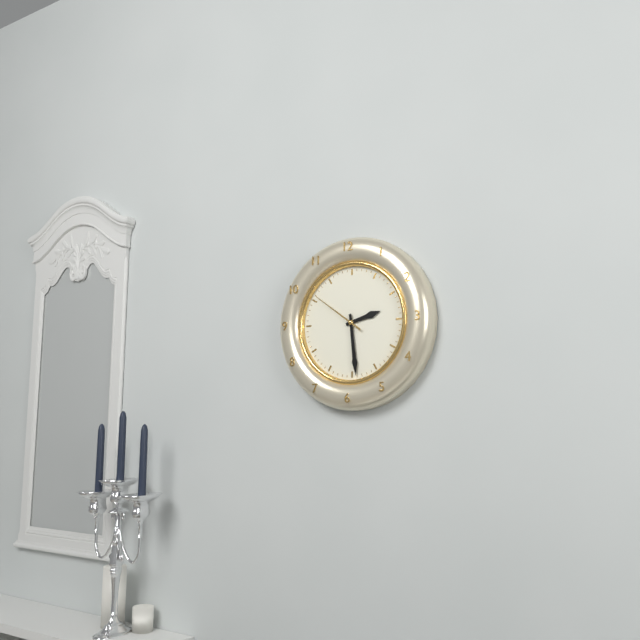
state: 2:29:51
